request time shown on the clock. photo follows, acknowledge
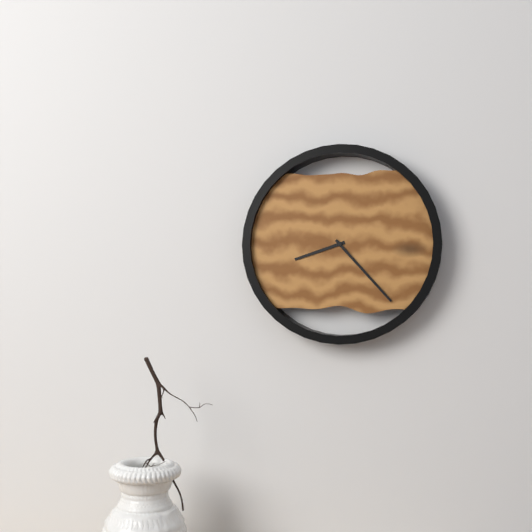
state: 8:23
